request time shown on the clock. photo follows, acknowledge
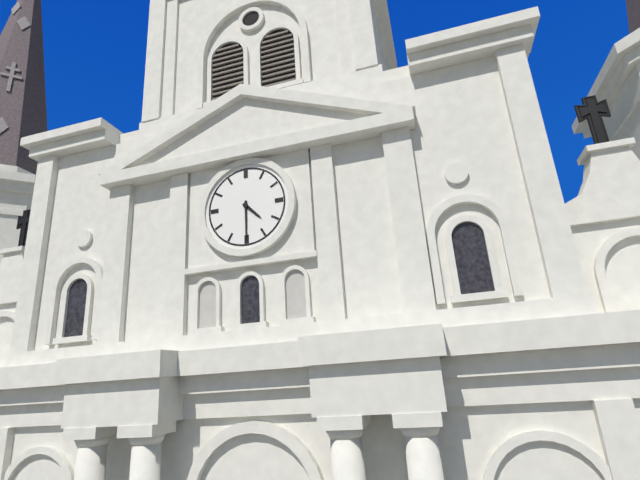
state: 4:30
